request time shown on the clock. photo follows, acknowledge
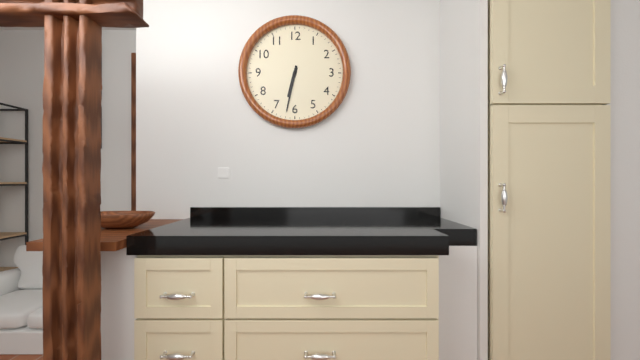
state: 6:32
